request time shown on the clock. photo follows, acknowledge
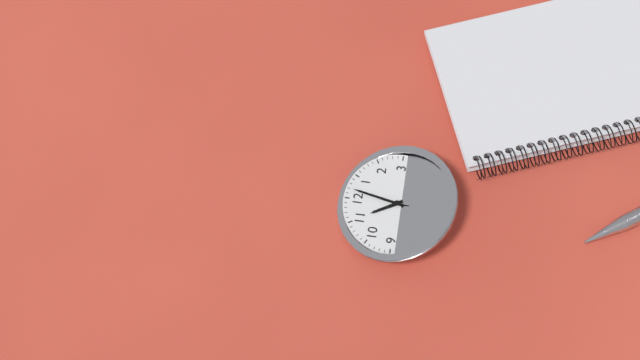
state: 11:02
